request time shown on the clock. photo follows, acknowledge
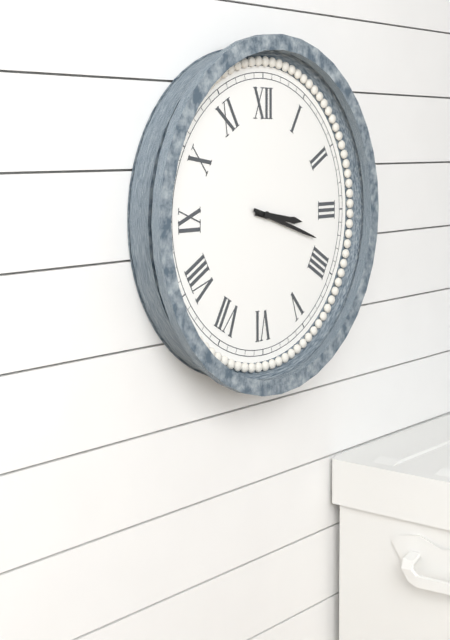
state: 3:18
